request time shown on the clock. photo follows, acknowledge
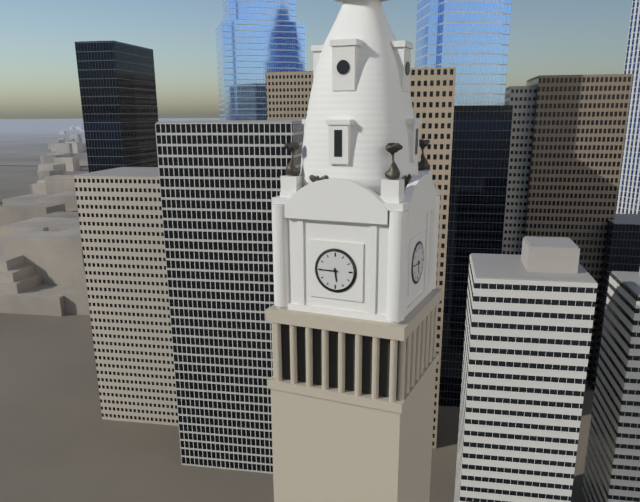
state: 5:45
